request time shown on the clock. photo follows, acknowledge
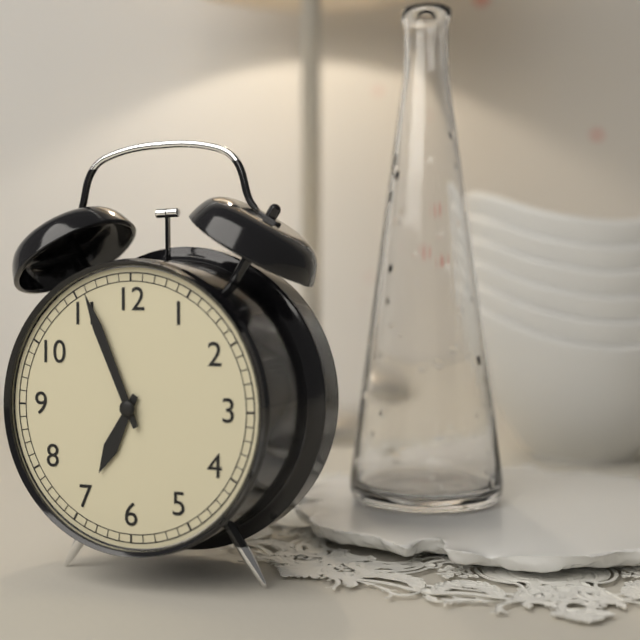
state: 6:56
